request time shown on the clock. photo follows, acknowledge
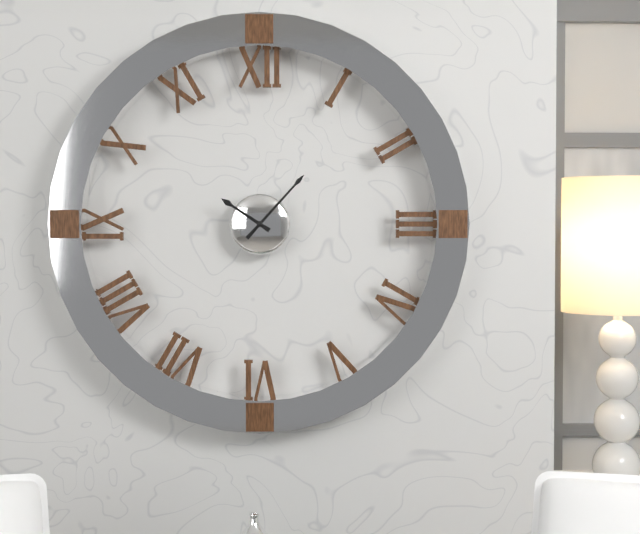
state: 10:07
